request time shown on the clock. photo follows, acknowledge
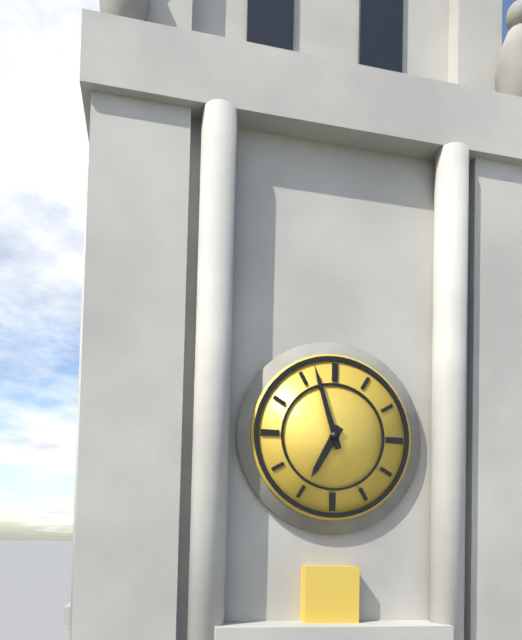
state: 6:57
